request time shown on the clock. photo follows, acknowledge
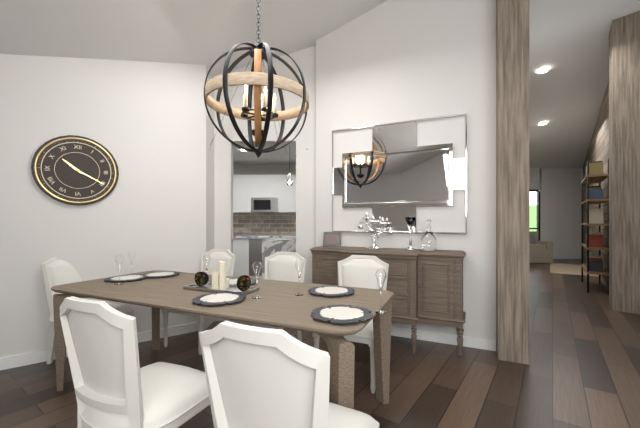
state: 10:20
